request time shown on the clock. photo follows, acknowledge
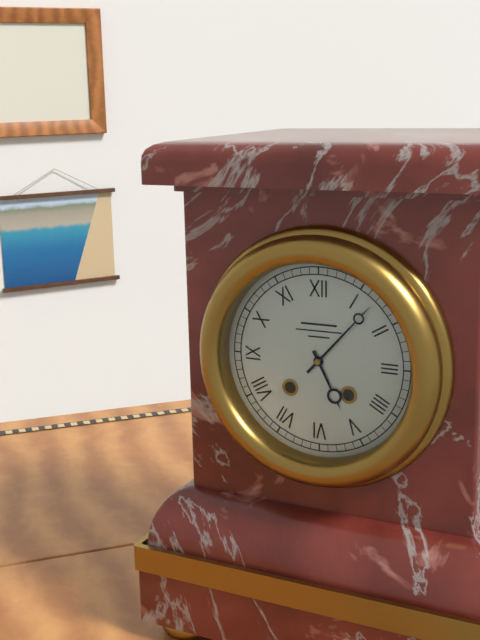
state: 5:07
